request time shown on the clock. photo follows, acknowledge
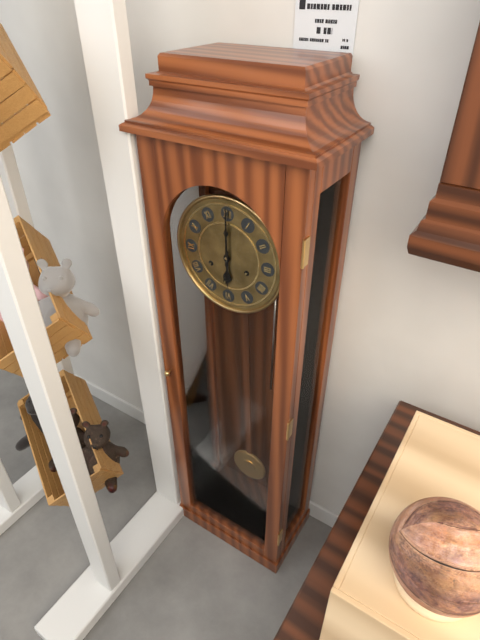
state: 6:00
